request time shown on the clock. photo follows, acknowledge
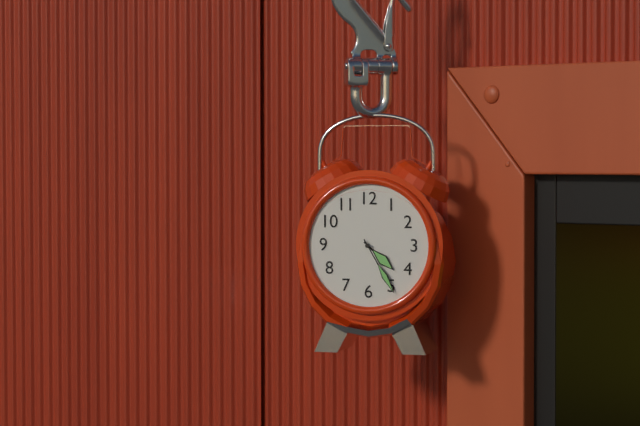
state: 4:25
